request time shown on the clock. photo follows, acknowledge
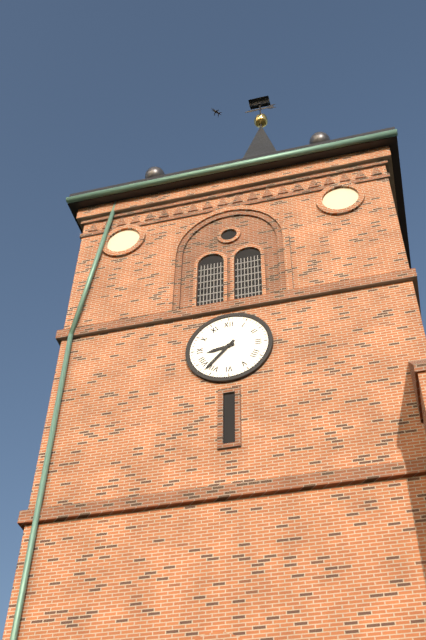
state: 8:37
